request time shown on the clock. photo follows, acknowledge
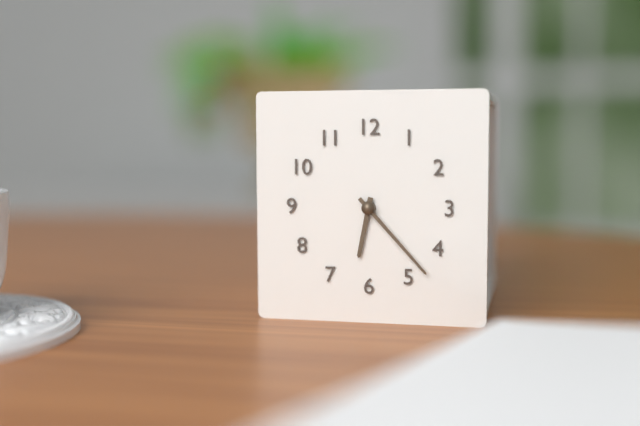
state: 6:23
